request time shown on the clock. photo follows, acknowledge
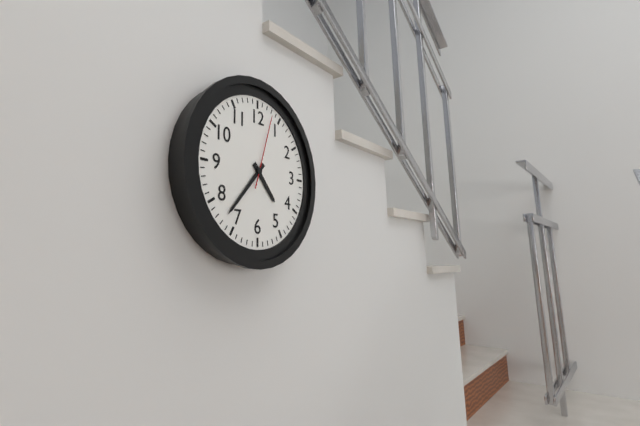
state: 4:37:03
